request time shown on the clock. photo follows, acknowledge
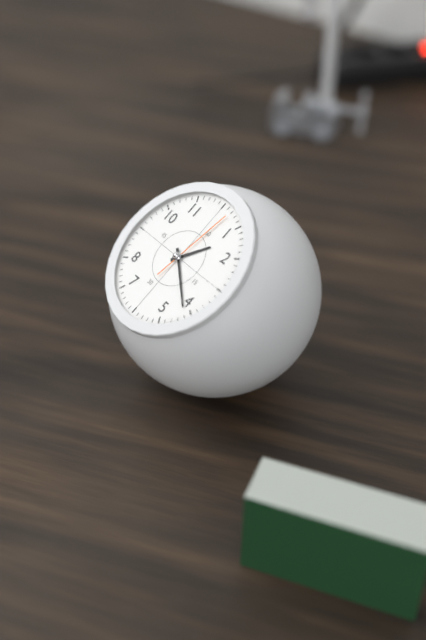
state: 1:21:02
